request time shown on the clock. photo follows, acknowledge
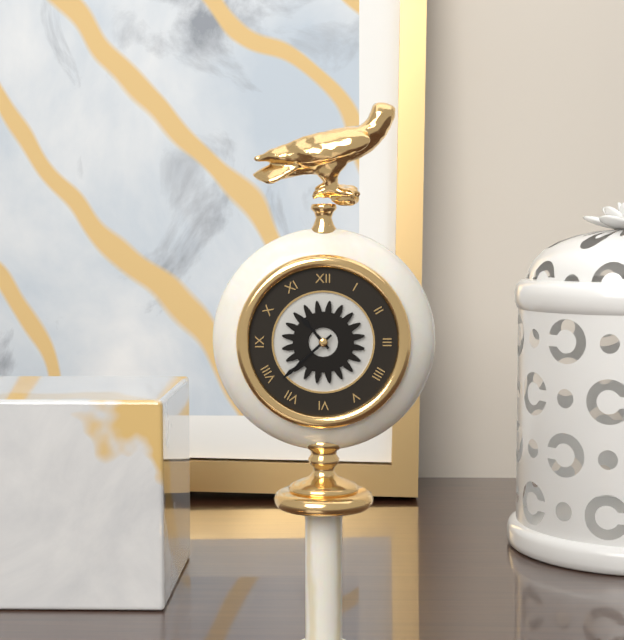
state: 10:38
